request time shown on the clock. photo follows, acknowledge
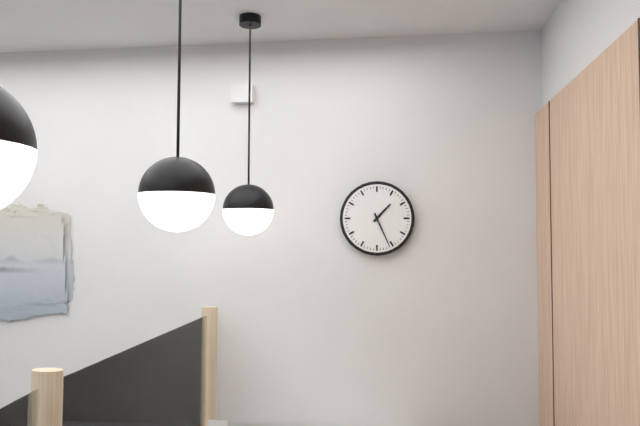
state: 1:26
